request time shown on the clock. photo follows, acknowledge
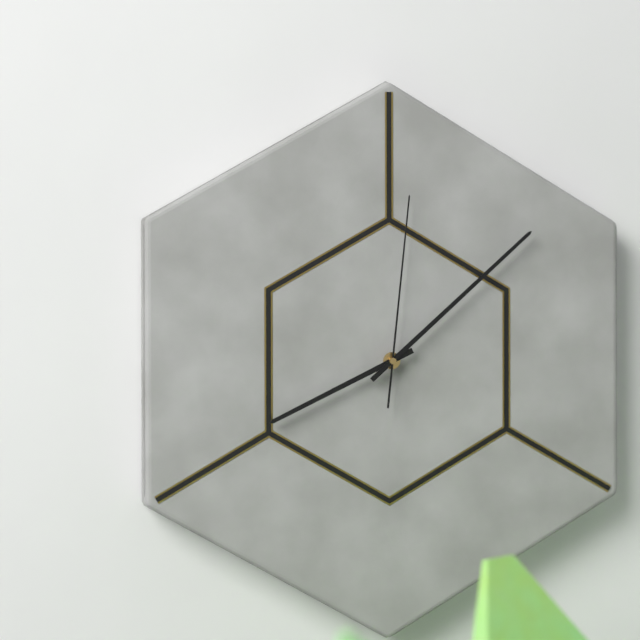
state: 8:08:01
